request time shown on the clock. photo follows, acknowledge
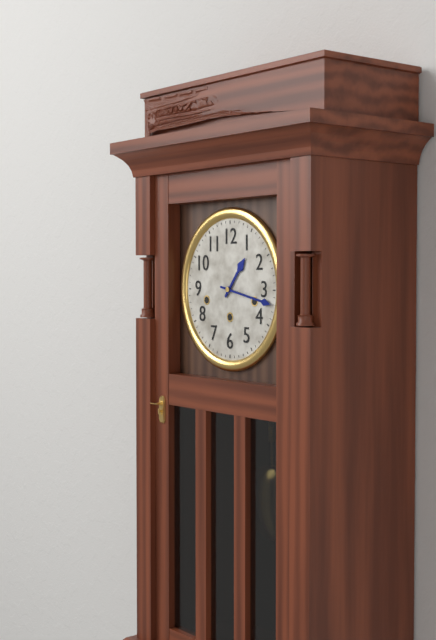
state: 1:17
